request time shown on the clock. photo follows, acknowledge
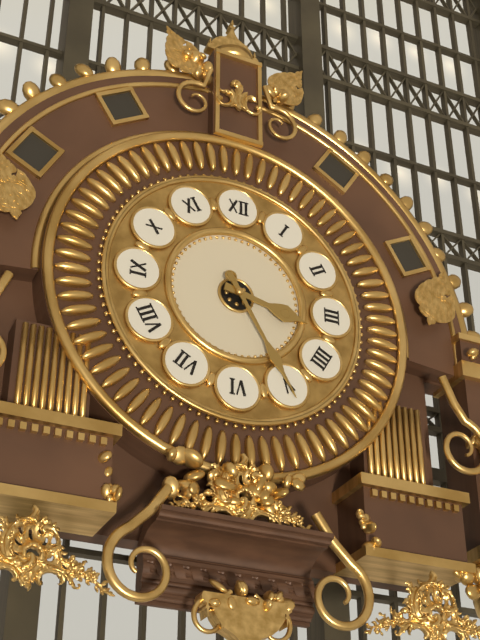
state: 3:25
